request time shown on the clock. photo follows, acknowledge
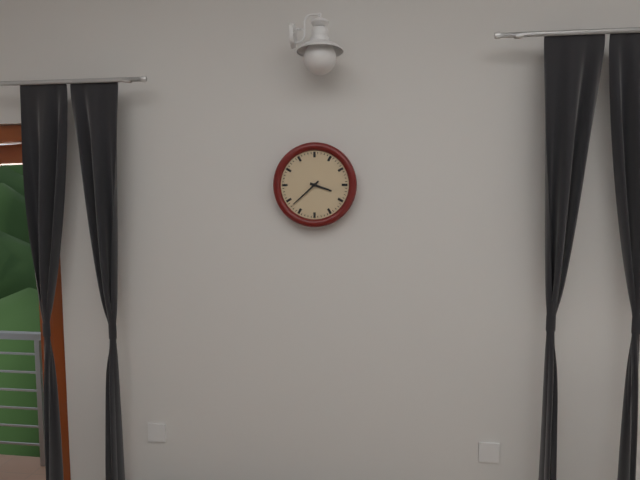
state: 3:38
